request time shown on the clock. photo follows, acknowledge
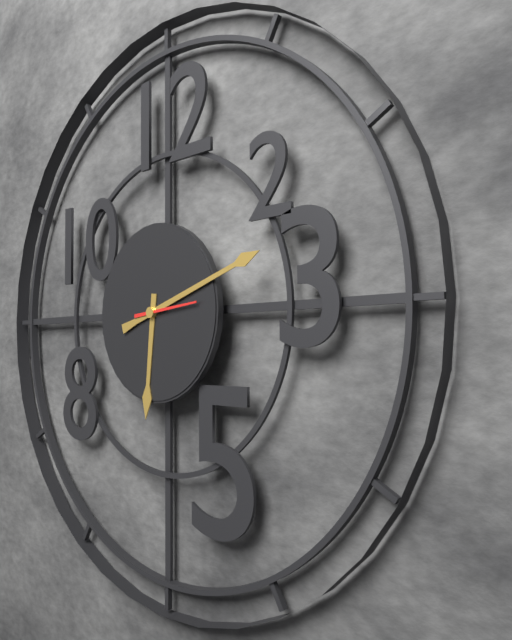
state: 6:12
